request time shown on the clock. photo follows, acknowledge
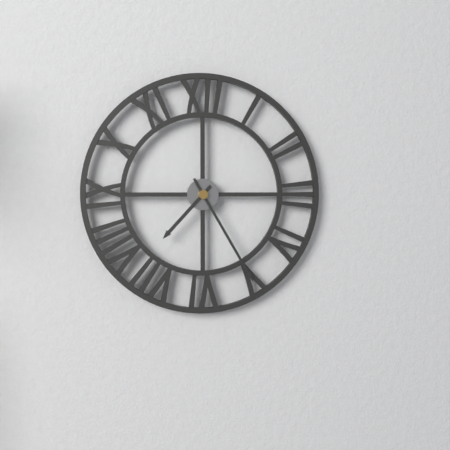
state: 7:25
